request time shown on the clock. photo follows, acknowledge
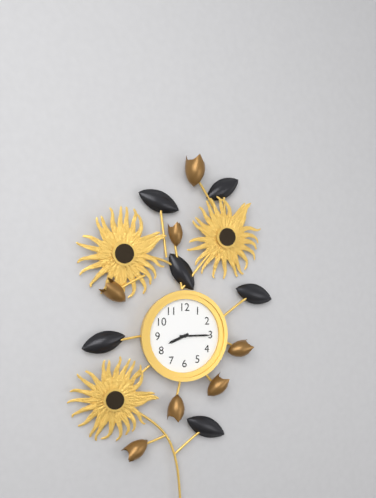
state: 8:15
